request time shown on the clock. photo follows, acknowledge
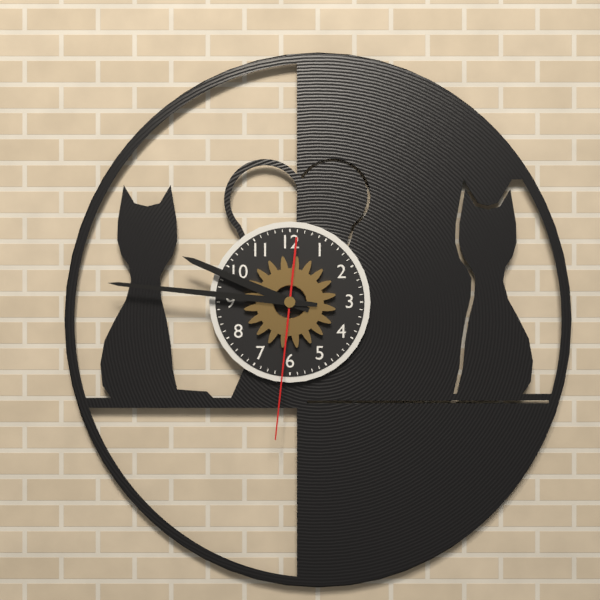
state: 9:46:31
